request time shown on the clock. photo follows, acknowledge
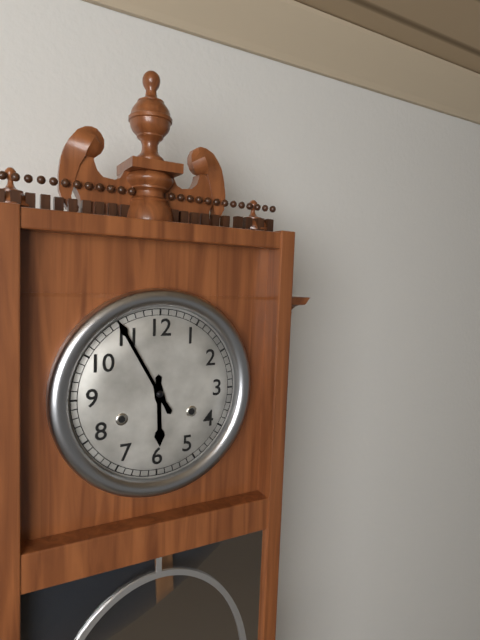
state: 5:55
